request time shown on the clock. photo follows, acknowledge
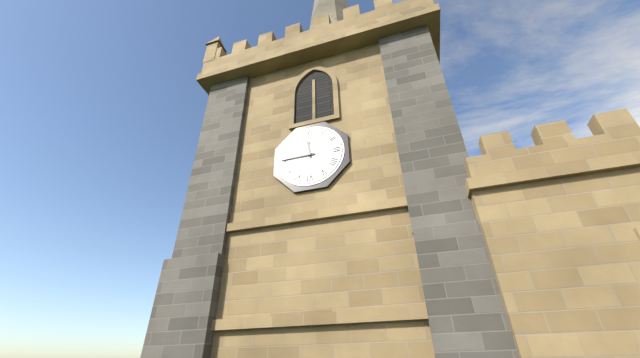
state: 11:45
